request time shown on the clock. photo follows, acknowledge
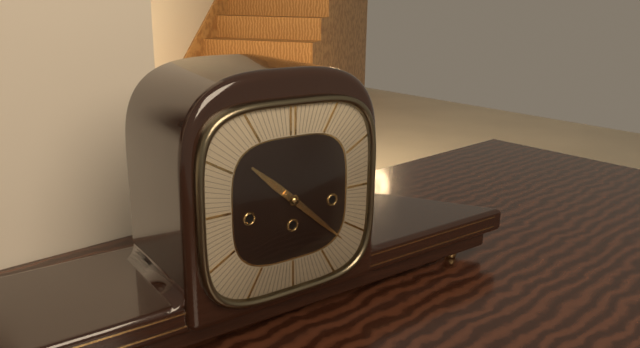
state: 10:22
